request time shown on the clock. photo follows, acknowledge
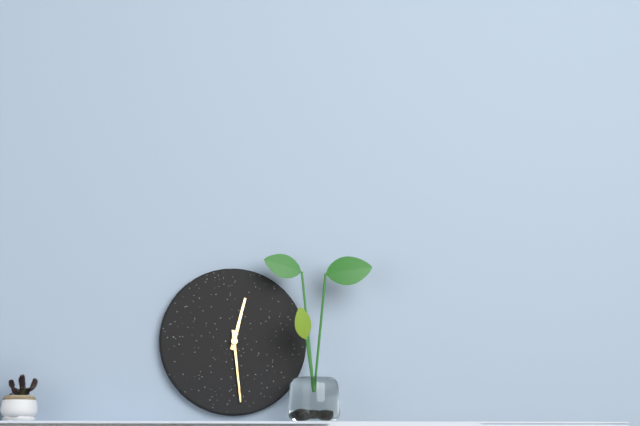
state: 12:29
